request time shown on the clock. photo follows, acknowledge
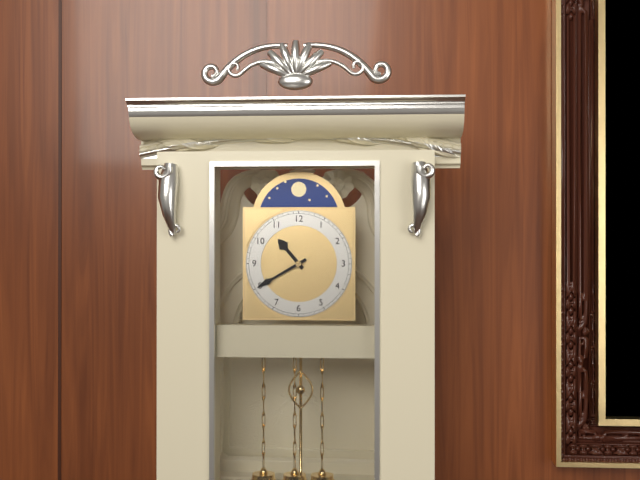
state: 10:40
